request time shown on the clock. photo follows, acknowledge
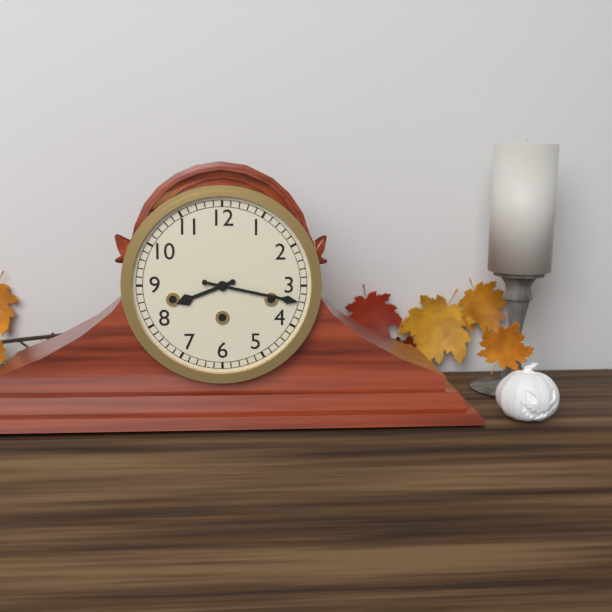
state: 8:17
